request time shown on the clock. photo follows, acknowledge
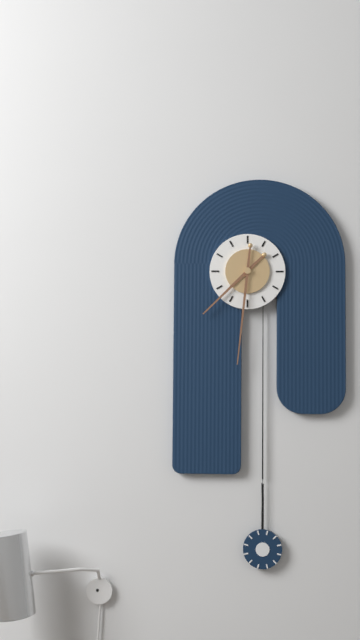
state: 7:31
